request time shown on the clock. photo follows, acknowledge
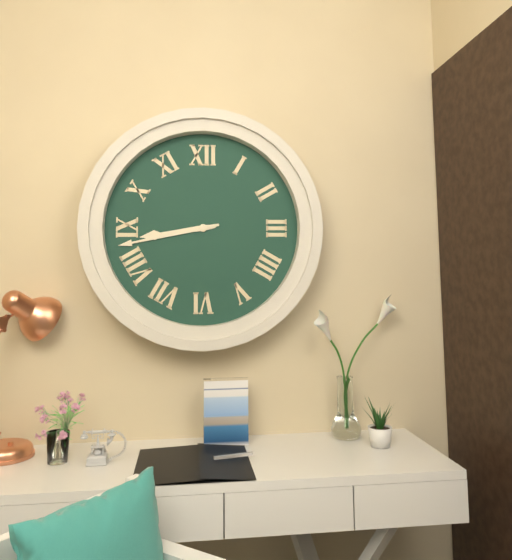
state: 8:43
